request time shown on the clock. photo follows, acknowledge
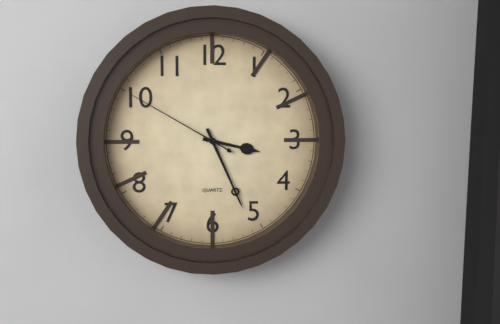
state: 3:26:50
